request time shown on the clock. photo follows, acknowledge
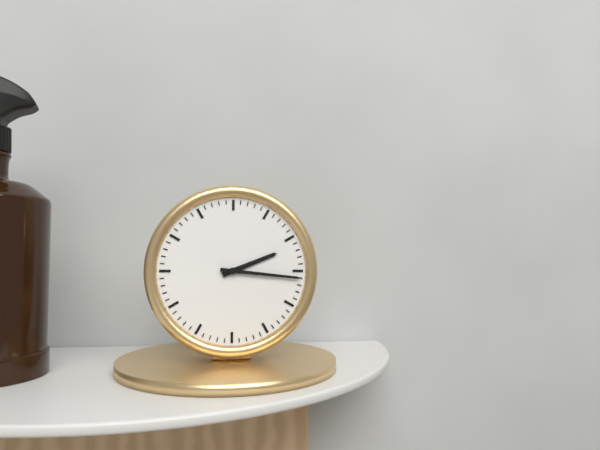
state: 2:16
